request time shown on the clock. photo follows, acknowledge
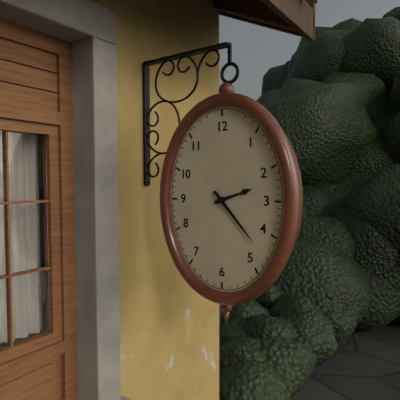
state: 2:23
